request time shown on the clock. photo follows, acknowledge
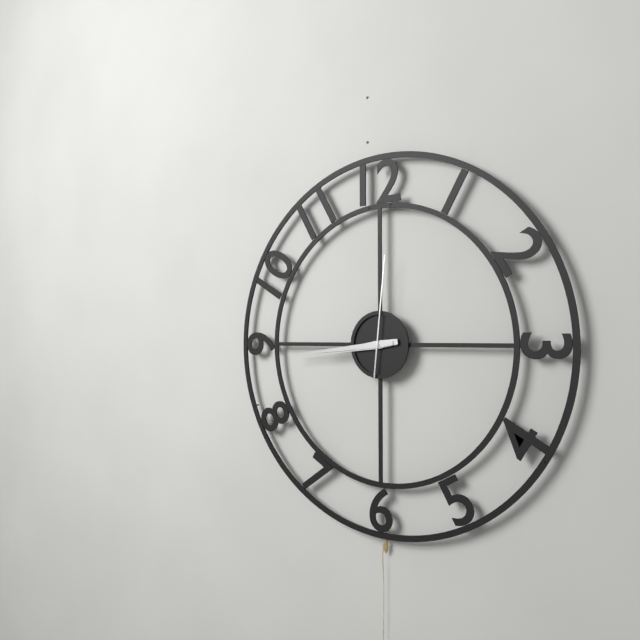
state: 8:44:01
